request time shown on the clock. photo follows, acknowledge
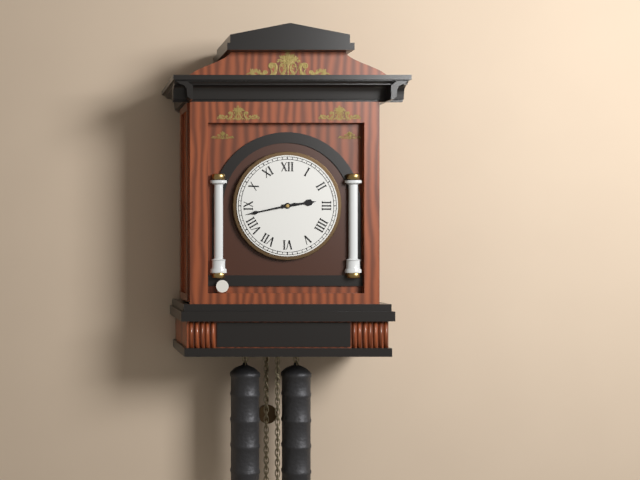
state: 2:43
